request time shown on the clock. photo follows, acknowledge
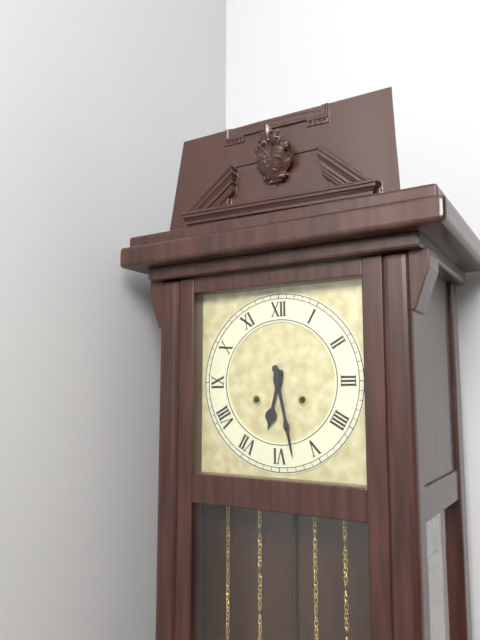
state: 6:28
